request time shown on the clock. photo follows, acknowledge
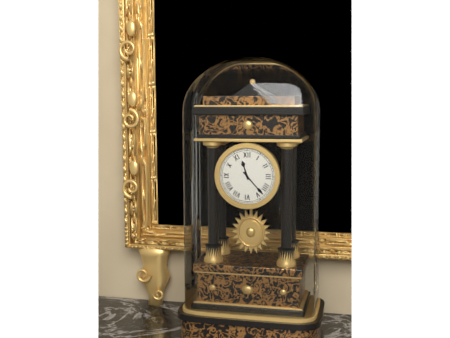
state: 11:23
